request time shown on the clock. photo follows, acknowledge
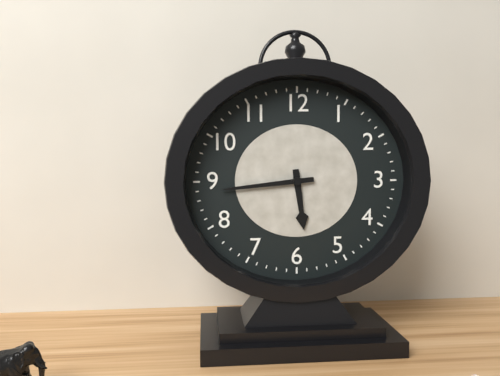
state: 5:44
